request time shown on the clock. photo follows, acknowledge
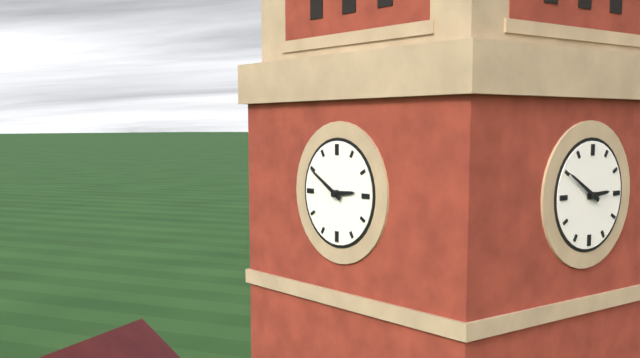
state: 2:50
